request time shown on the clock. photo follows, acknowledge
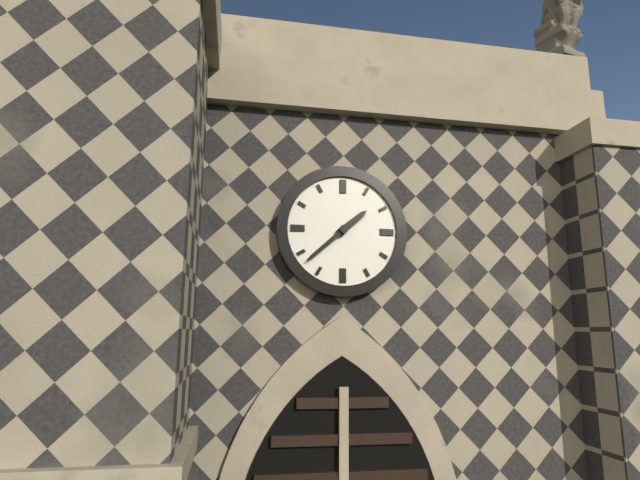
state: 1:38
